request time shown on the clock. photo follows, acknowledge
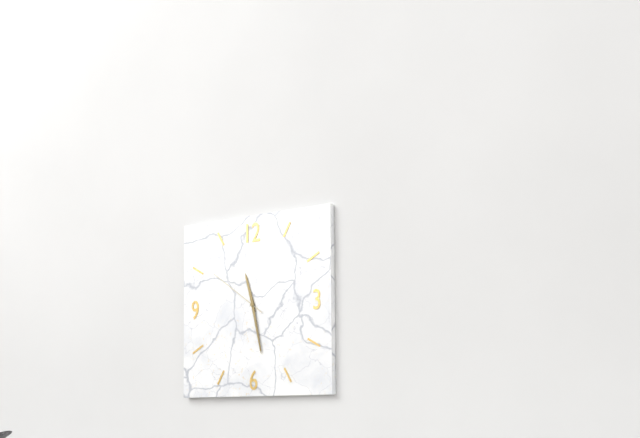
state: 11:28:51
